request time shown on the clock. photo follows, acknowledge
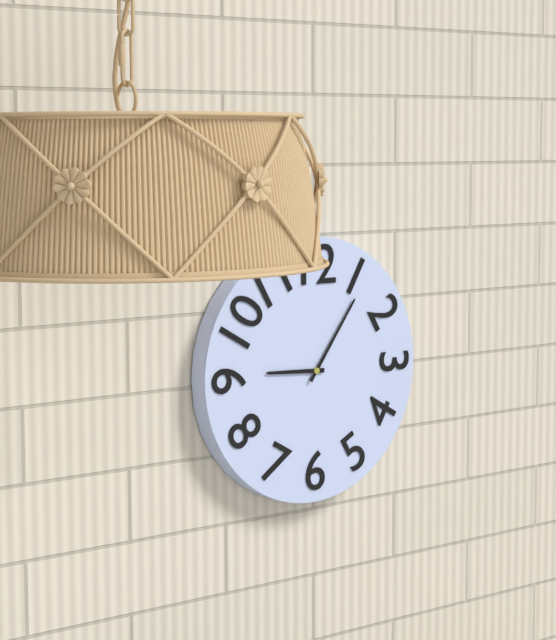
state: 9:06
